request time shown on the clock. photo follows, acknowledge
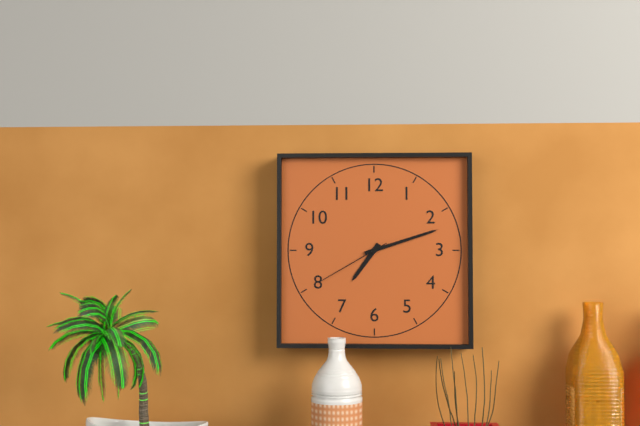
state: 7:12:40
